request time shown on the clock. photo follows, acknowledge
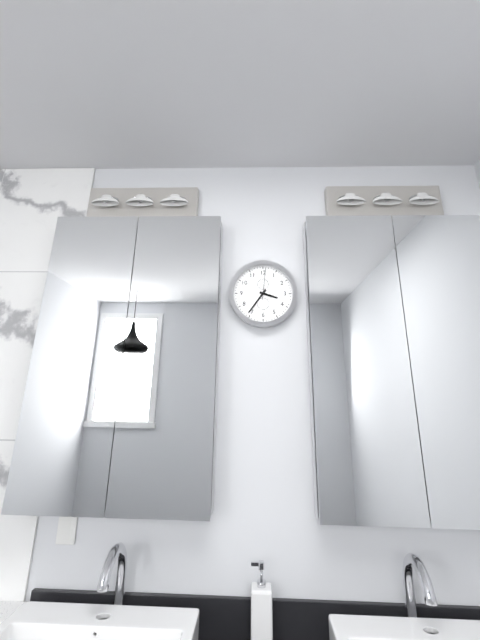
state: 3:36
